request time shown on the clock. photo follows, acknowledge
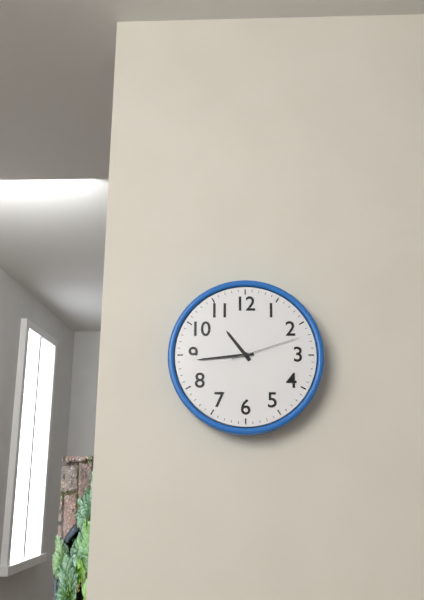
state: 10:44:12
